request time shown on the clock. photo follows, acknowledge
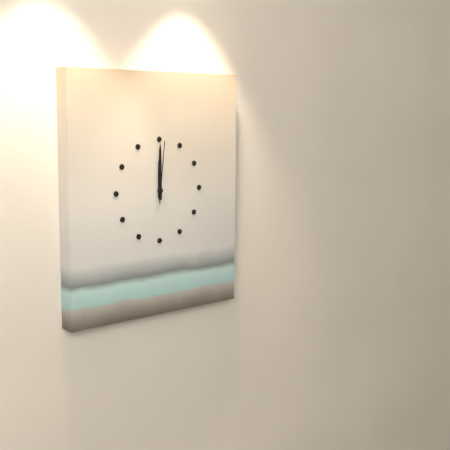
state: 12:00:01
